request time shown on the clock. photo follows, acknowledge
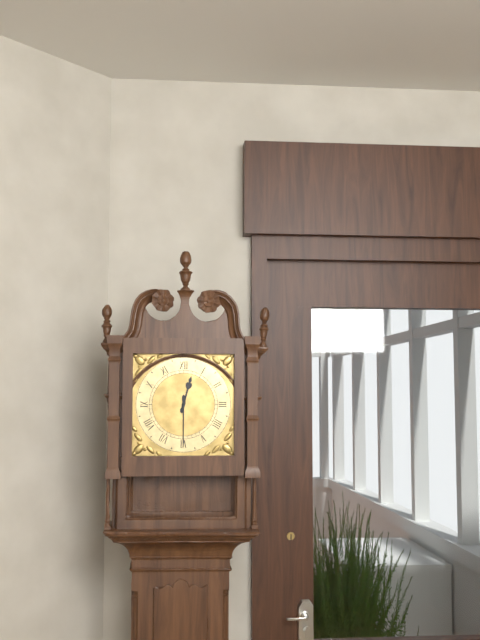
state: 12:30
